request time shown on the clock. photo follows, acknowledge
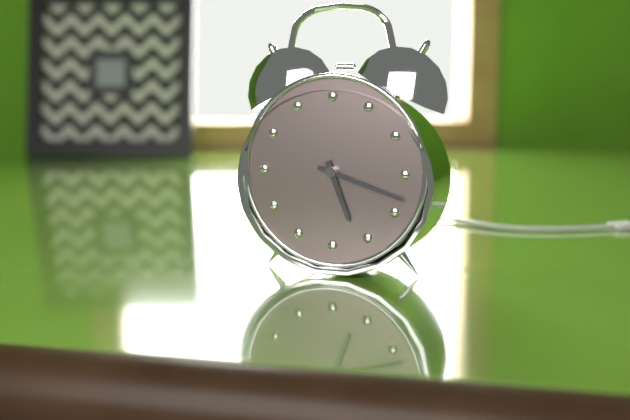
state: 5:18
